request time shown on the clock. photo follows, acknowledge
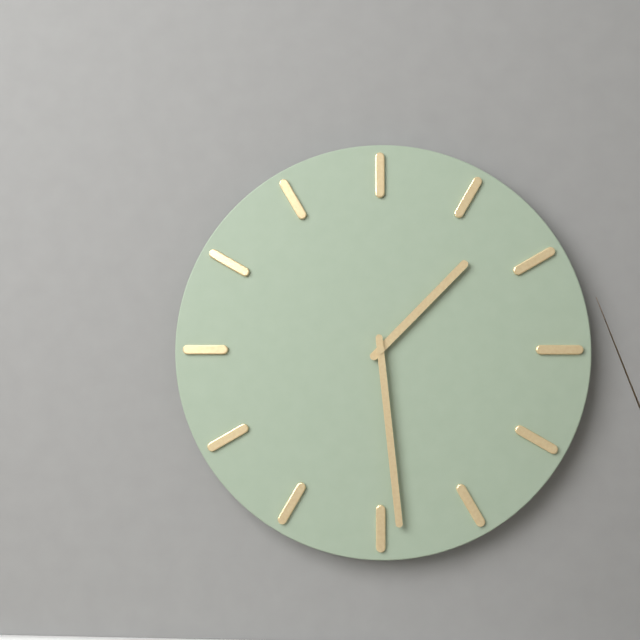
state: 1:29
